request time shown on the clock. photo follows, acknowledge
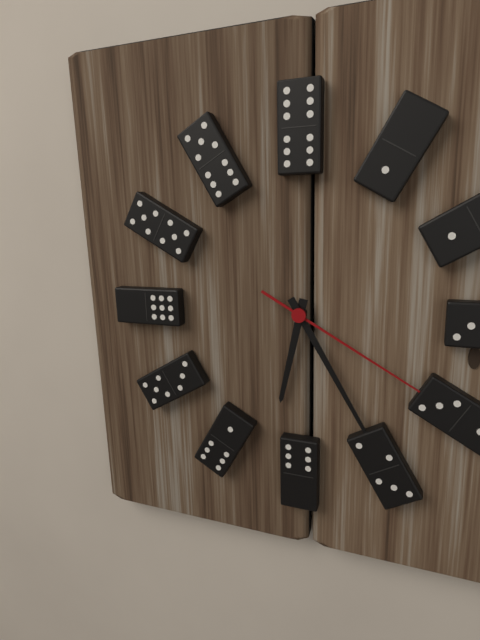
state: 6:25:20
